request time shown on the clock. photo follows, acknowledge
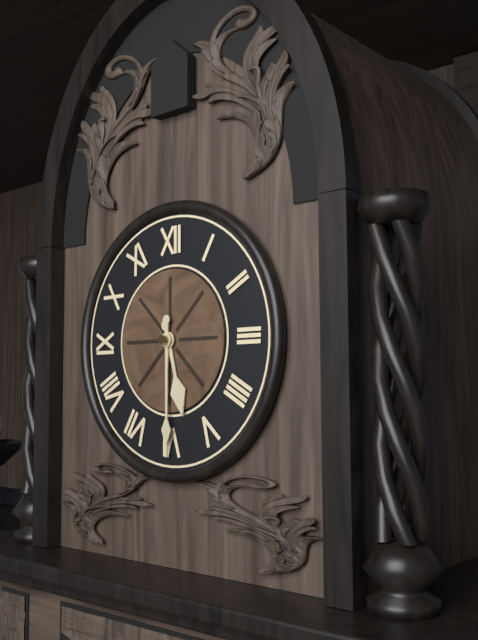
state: 5:30
